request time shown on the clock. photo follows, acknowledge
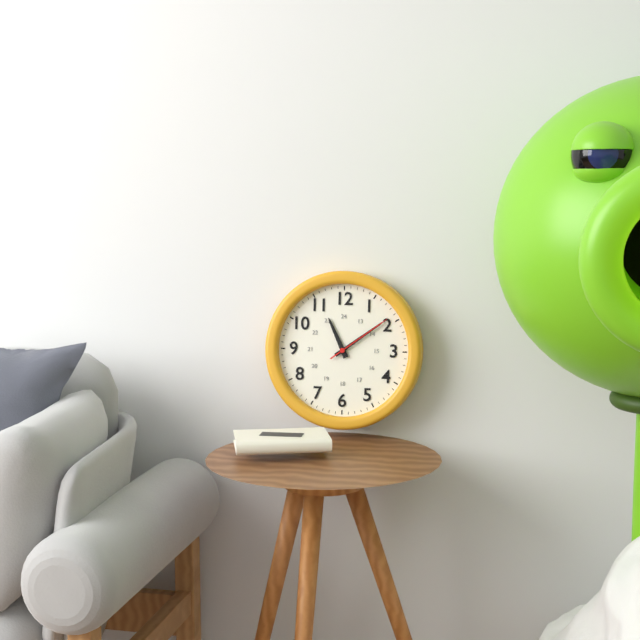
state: 11:09:09
